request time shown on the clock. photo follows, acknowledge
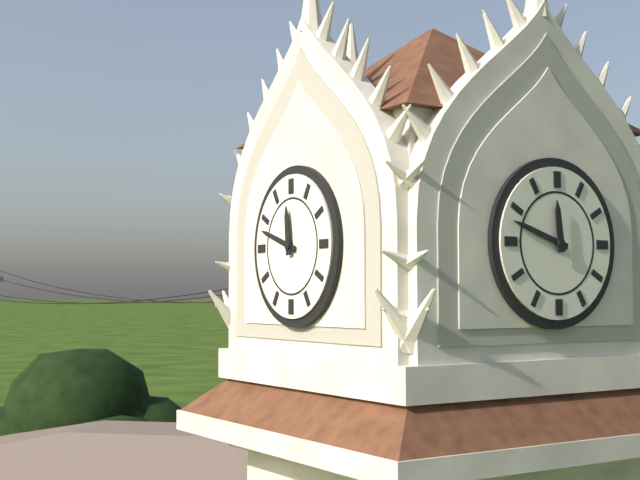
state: 11:48
